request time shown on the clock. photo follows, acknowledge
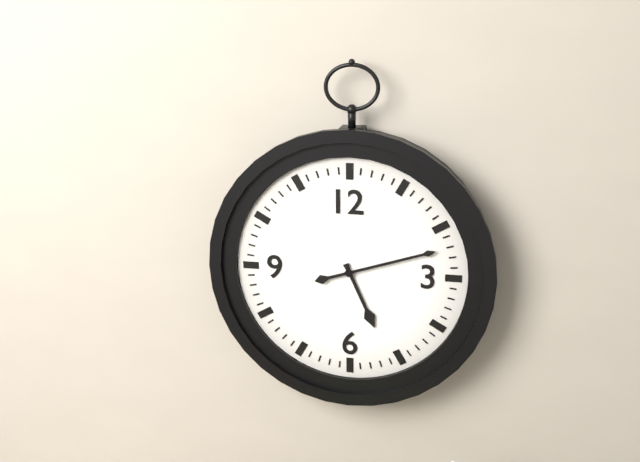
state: 5:12
